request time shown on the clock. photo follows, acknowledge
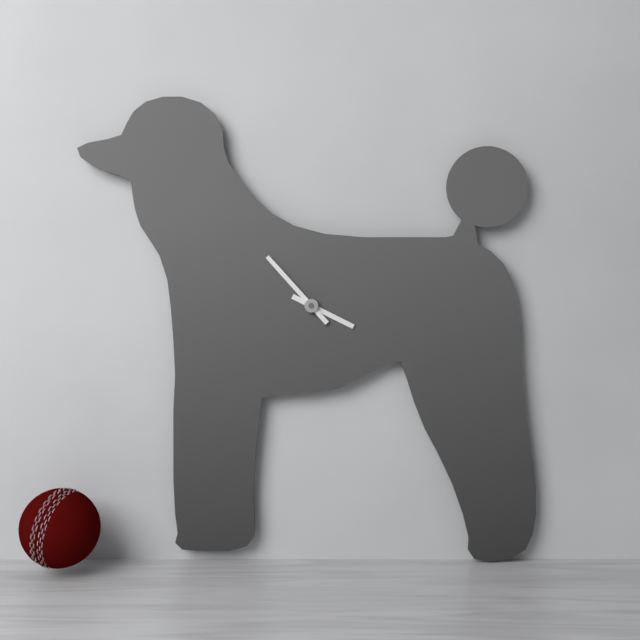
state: 3:53
